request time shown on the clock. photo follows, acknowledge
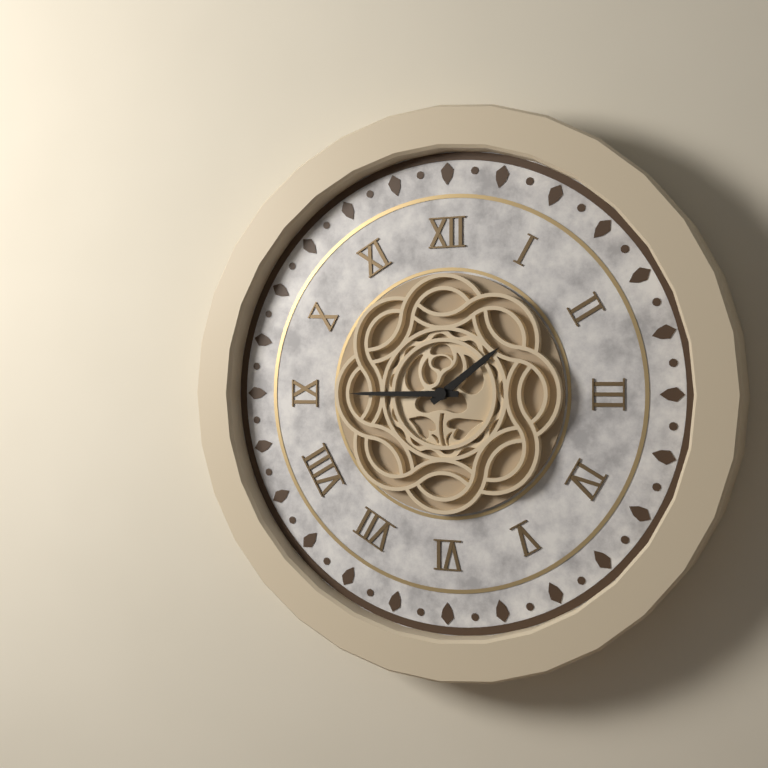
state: 1:45
